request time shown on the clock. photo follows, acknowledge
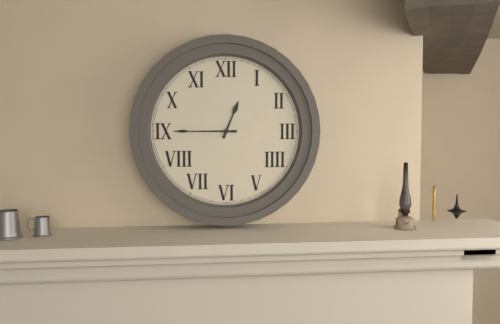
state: 12:45
